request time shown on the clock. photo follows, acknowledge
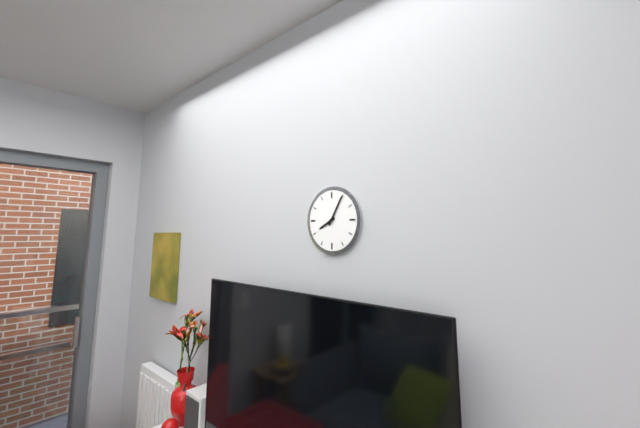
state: 8:05
